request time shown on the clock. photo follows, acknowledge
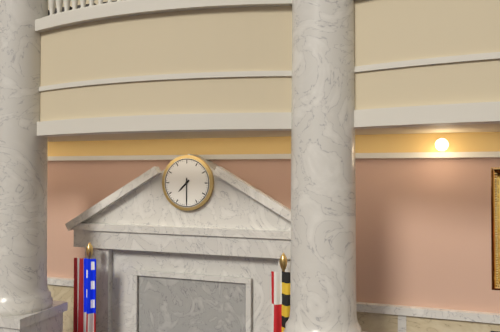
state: 7:30
